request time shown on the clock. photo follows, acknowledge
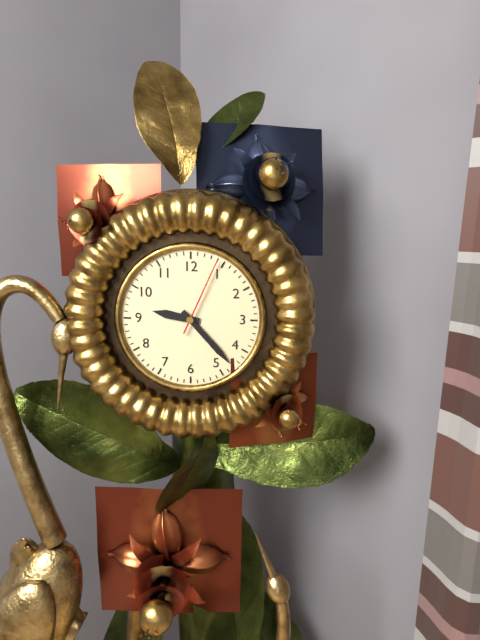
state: 9:23:04
